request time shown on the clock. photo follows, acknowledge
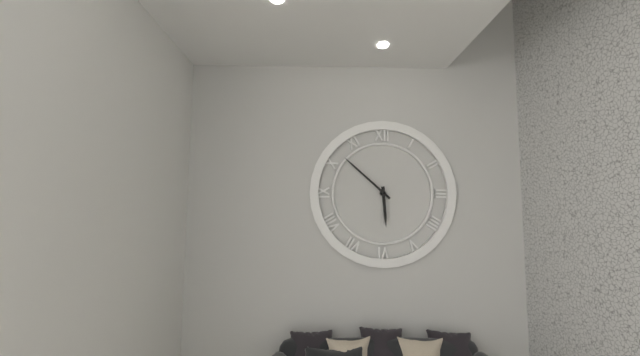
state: 5:52
